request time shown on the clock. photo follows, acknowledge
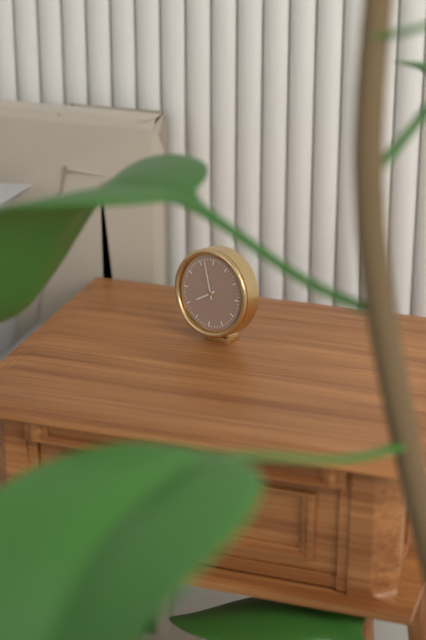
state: 7:57
